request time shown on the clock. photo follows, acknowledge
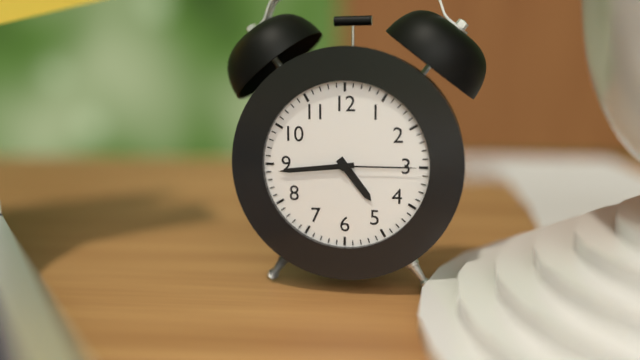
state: 4:44:15
